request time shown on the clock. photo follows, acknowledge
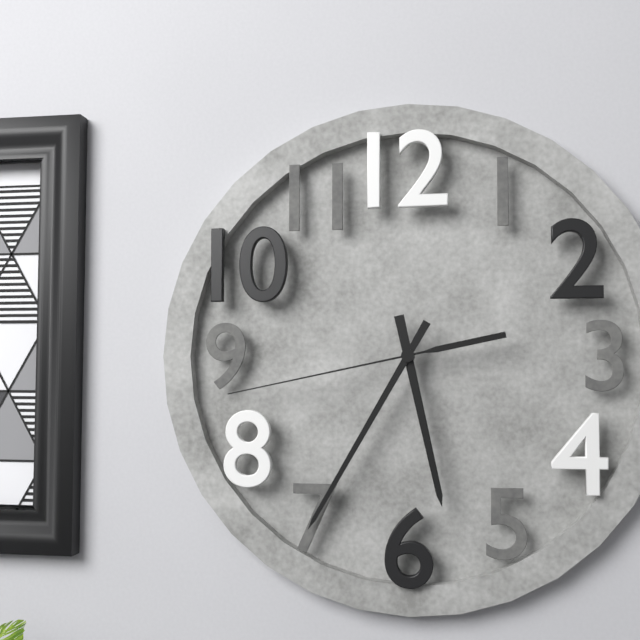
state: 5:35:43
